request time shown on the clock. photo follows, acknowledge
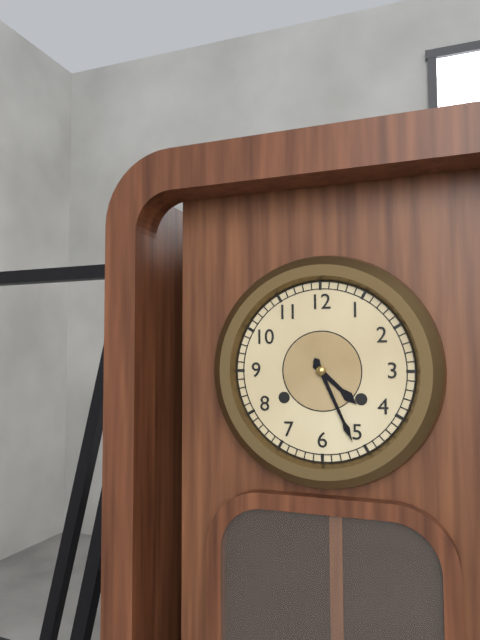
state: 4:26
